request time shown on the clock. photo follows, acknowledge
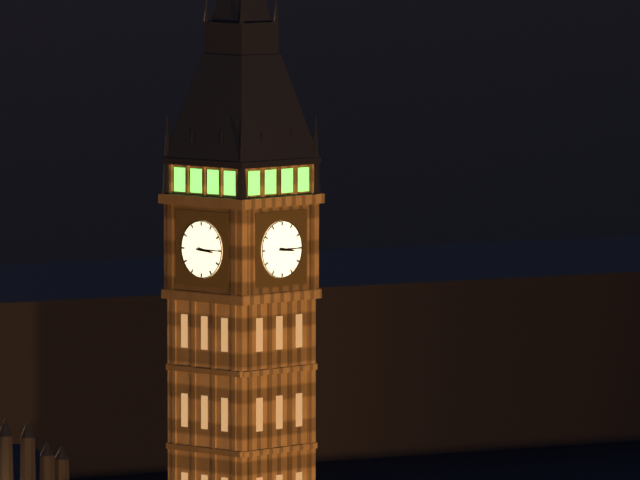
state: 3:15
